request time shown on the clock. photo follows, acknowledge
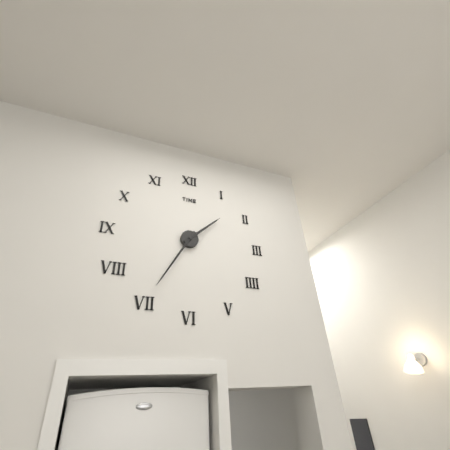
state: 1:35
